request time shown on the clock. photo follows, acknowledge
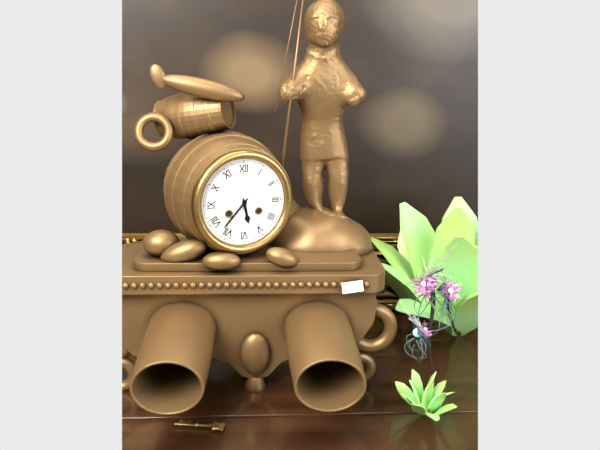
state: 5:37
